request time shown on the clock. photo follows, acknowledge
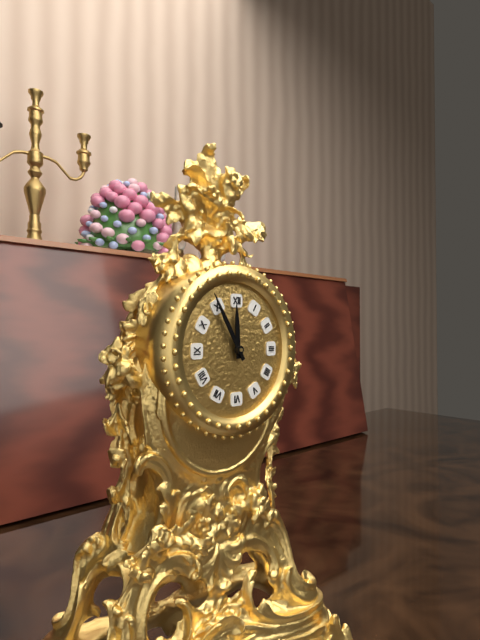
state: 11:55
